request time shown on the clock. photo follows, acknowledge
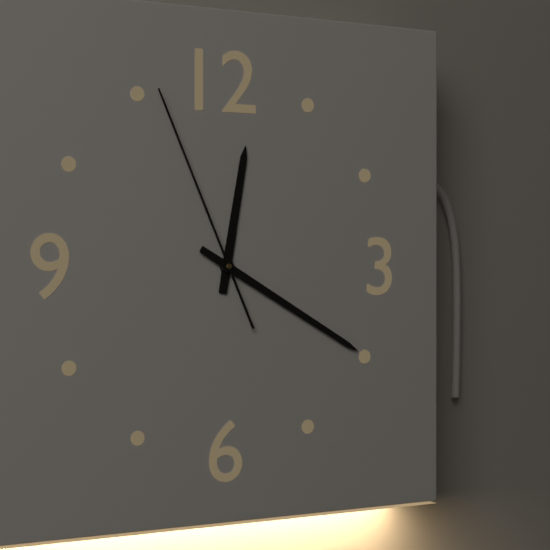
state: 12:20:56
